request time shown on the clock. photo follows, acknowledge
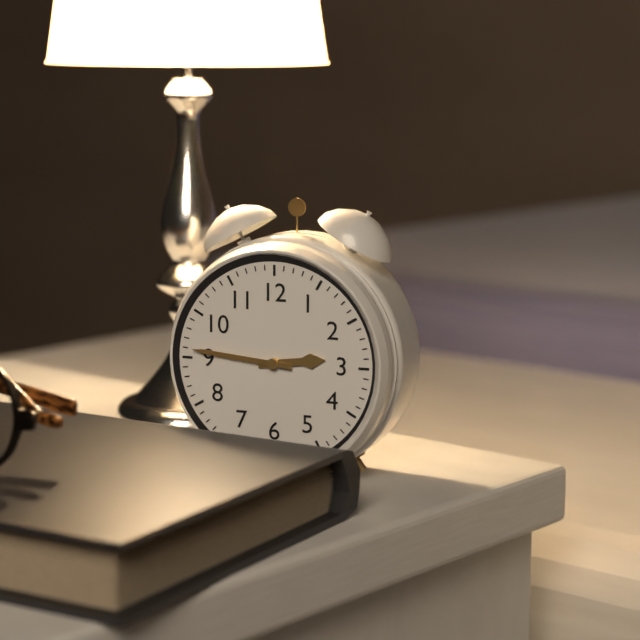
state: 2:46
